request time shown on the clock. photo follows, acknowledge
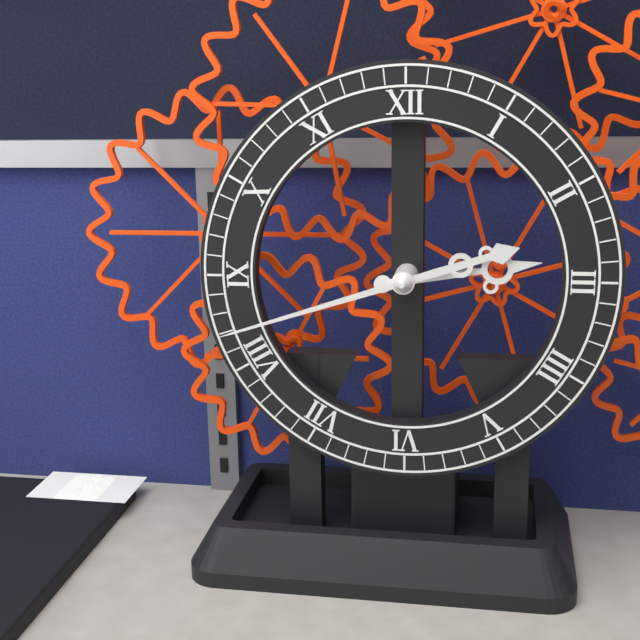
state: 2:42
